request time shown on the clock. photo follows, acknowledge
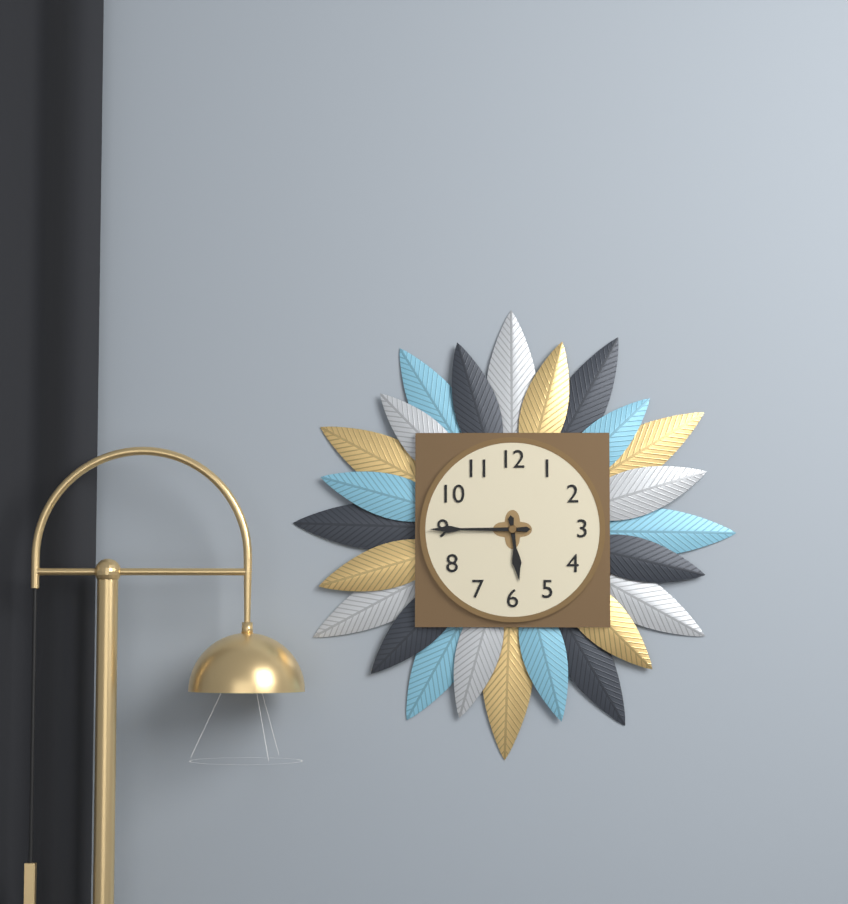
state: 5:45
